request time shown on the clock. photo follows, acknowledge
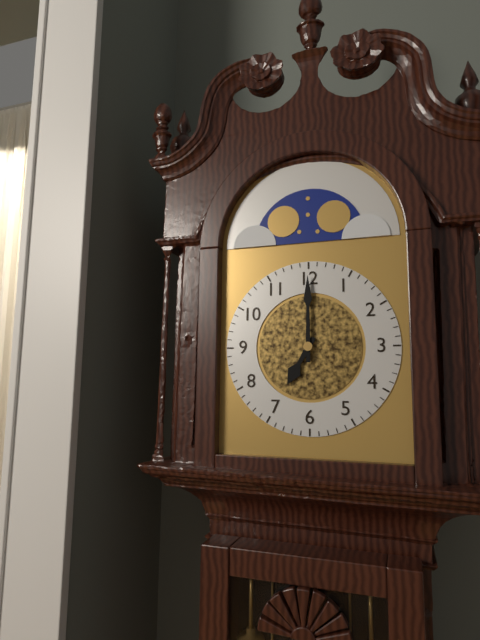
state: 7:00
